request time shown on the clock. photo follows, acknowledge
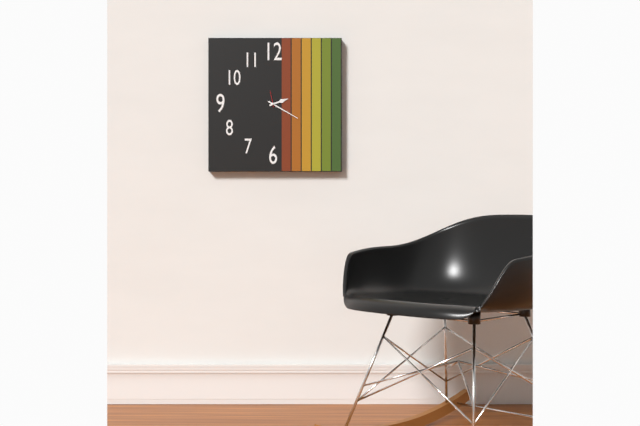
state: 2:20
